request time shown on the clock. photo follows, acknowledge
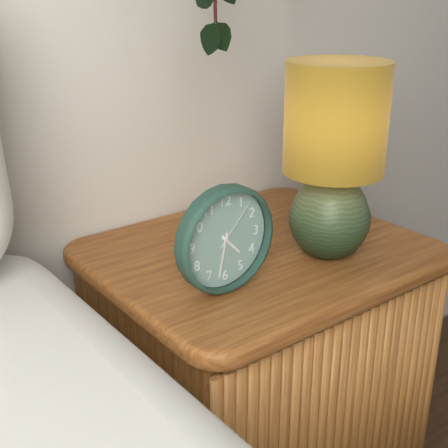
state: 4:32:07
